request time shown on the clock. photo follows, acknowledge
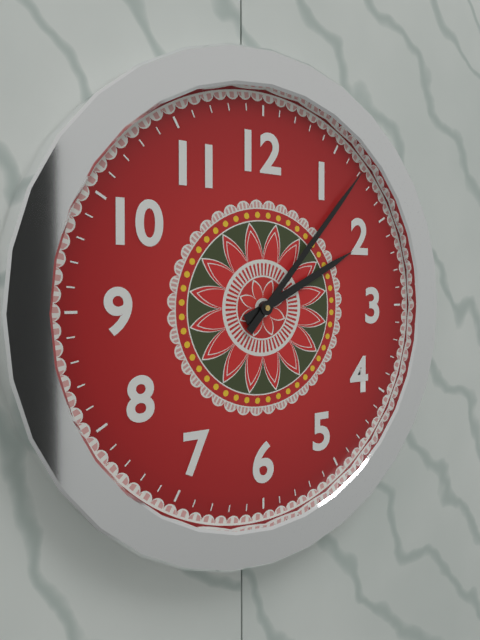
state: 2:07
